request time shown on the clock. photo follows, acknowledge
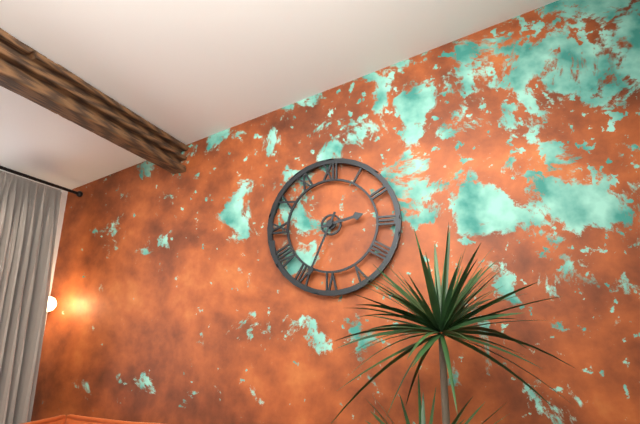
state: 2:34
